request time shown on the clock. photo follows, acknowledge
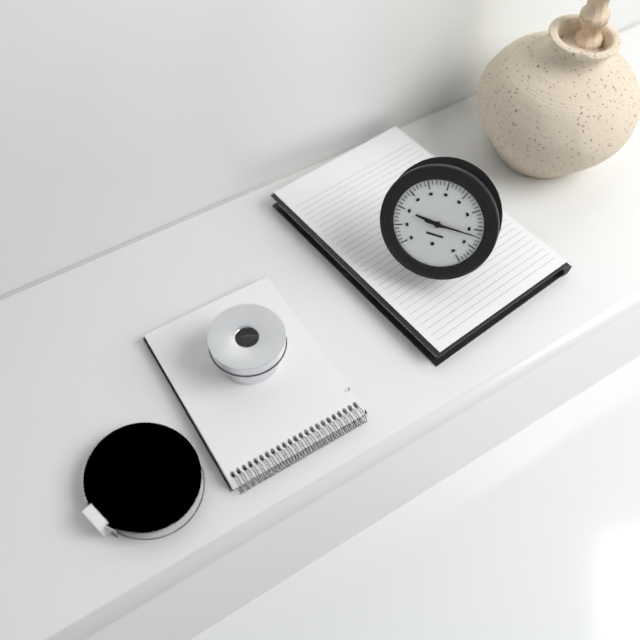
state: 9:15
